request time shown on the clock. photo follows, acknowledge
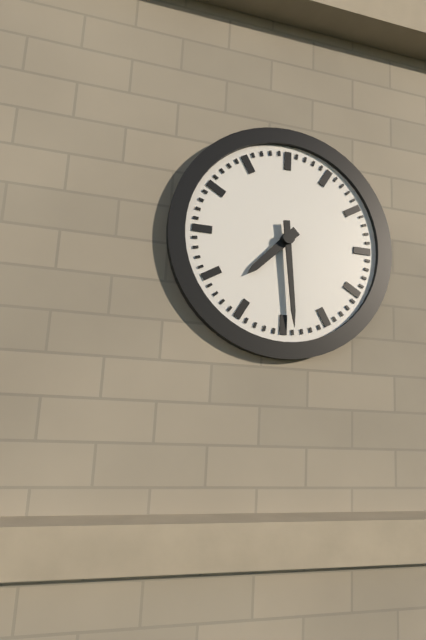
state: 7:29
